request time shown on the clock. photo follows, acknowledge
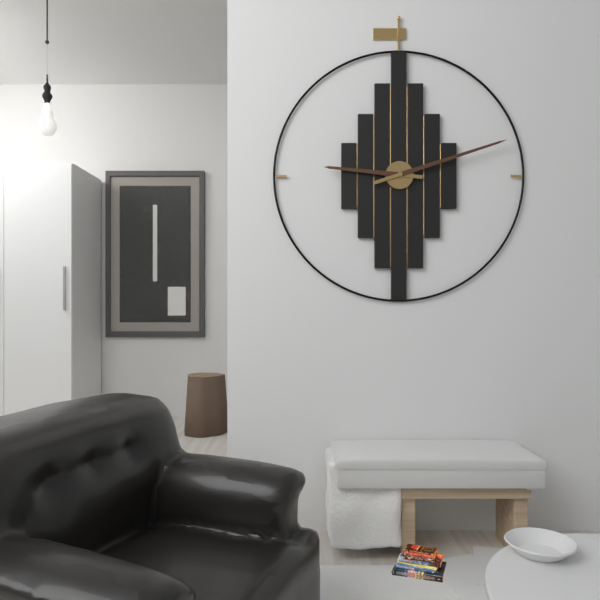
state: 9:12
